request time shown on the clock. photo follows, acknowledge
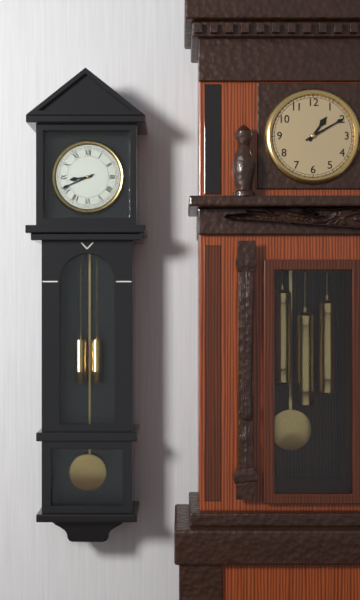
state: 8:41
